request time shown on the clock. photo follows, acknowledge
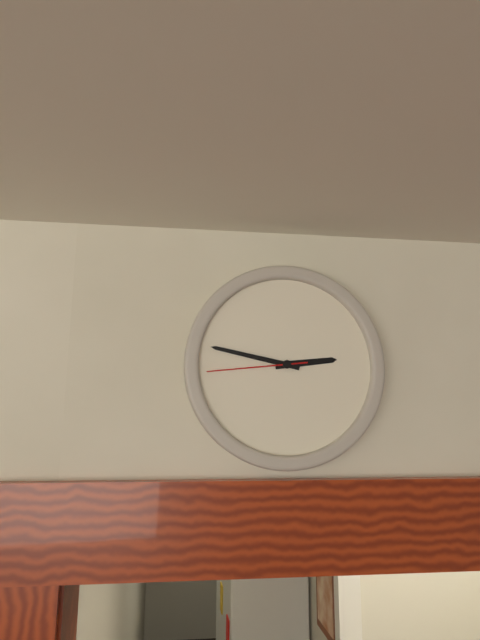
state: 2:47:44
